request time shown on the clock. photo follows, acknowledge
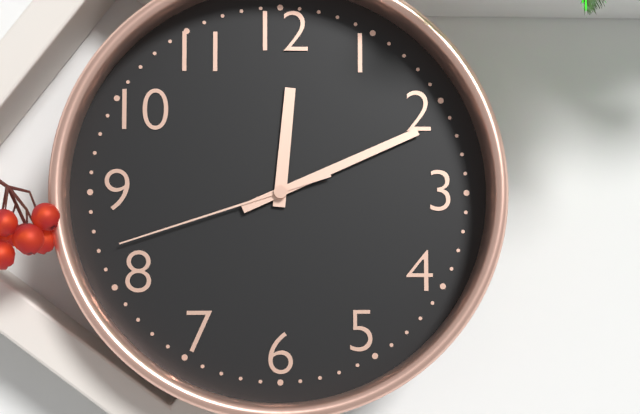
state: 12:11:42
